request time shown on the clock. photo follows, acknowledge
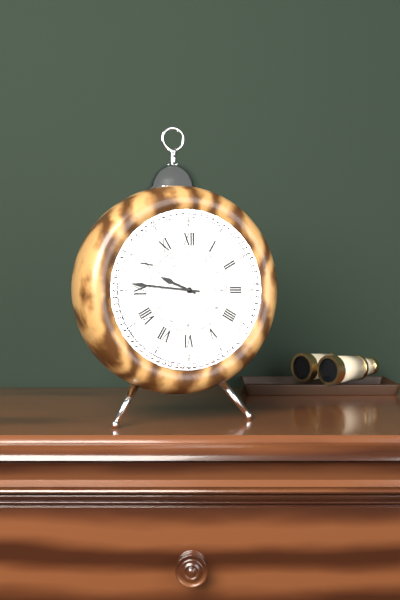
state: 9:46
